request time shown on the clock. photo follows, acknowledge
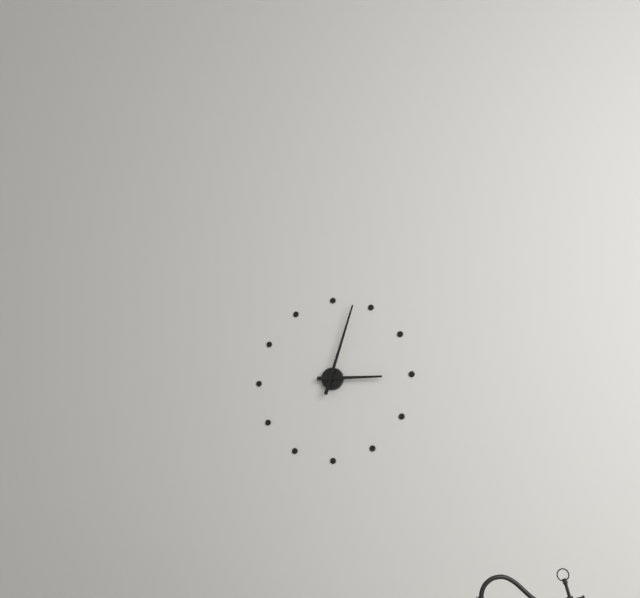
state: 3:03
